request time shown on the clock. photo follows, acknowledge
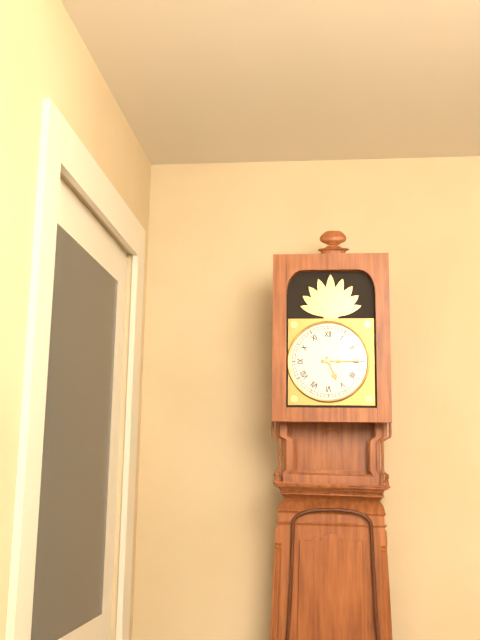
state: 5:15
